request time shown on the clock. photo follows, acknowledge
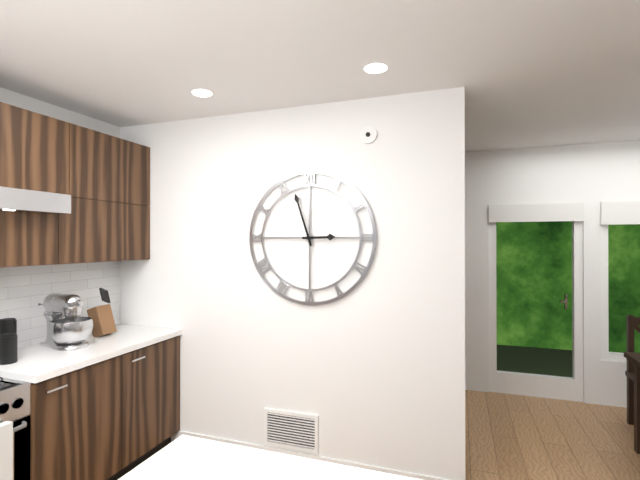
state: 2:57
